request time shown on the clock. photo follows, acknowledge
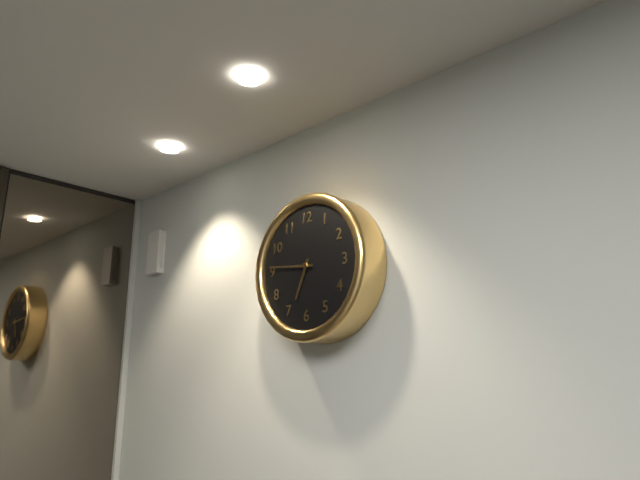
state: 6:46
